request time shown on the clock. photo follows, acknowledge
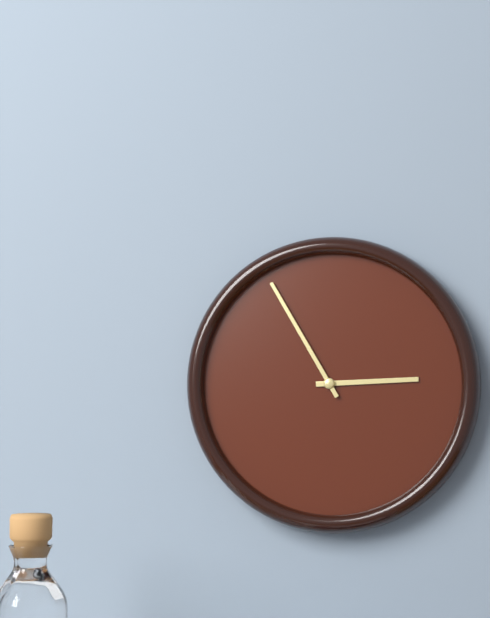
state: 2:55
